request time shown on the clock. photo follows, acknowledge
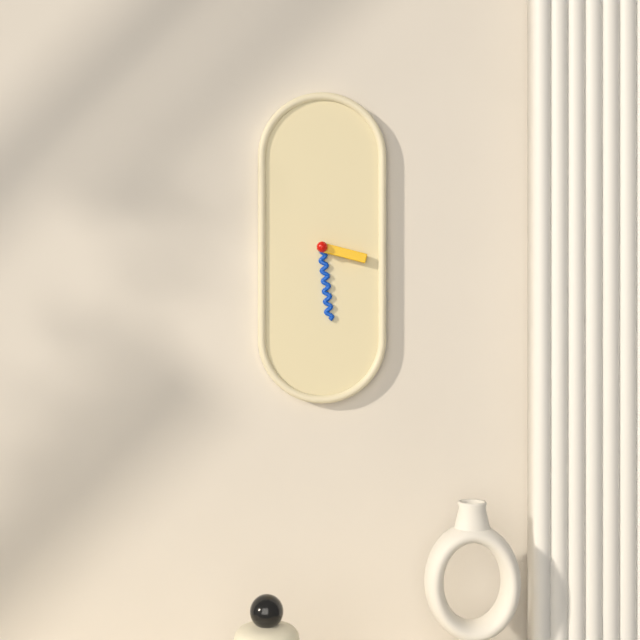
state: 3:29
